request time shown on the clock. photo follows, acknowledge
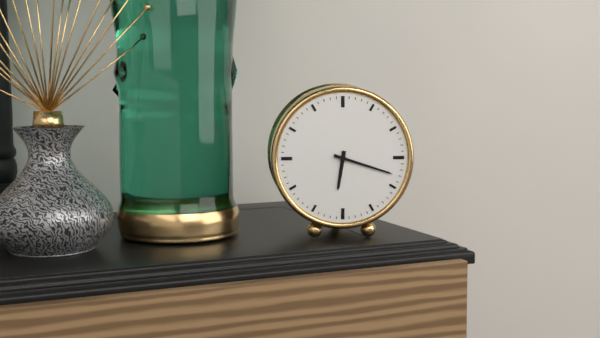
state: 6:18
